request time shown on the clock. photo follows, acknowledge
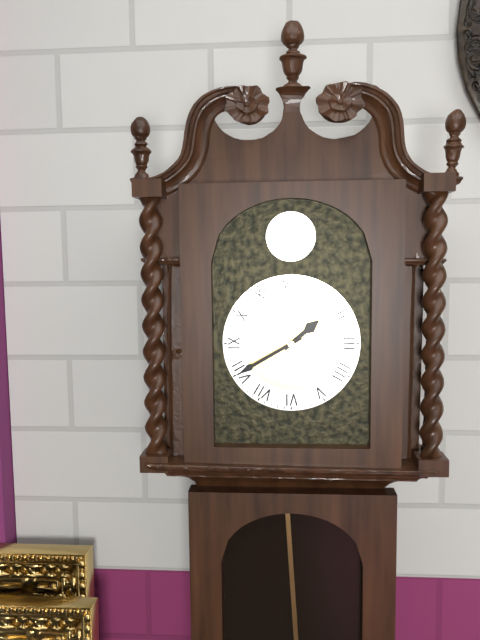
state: 1:40
